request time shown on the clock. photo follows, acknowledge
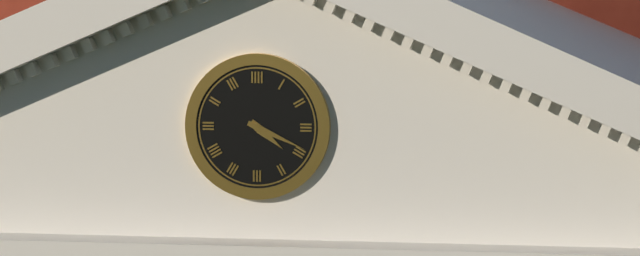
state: 4:19
